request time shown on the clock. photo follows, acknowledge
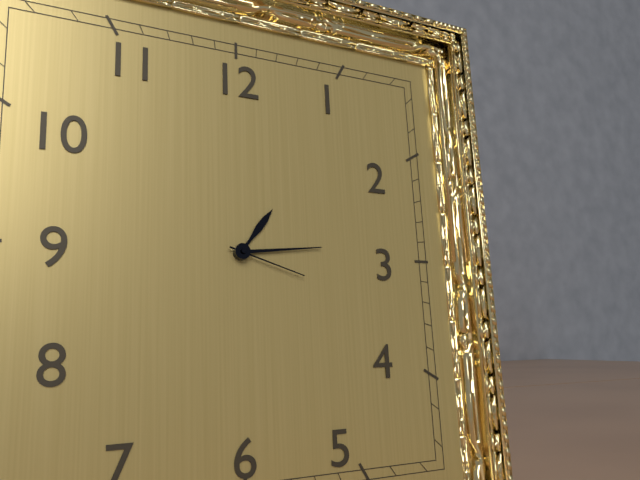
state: 1:14:18
